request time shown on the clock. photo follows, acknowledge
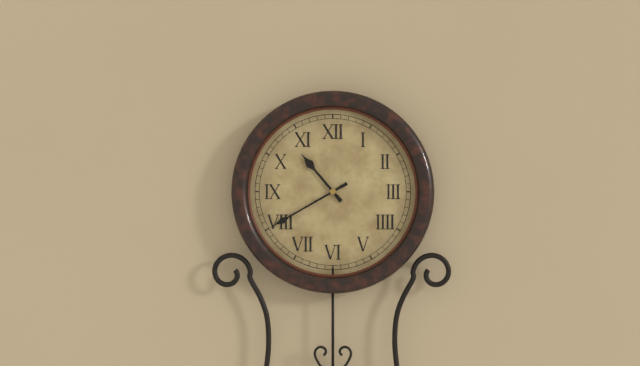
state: 10:40
